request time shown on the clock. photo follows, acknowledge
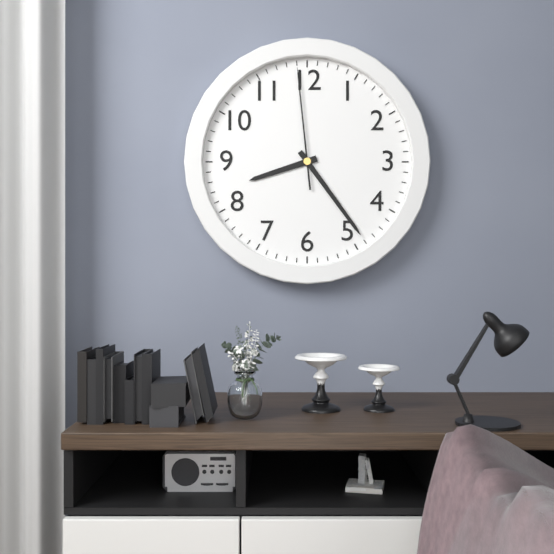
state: 8:24:59
